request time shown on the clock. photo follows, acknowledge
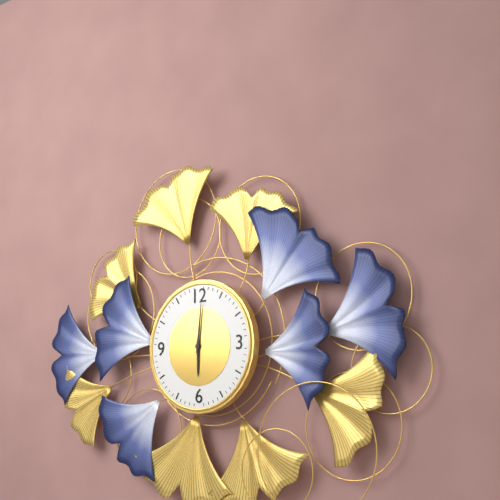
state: 6:01
